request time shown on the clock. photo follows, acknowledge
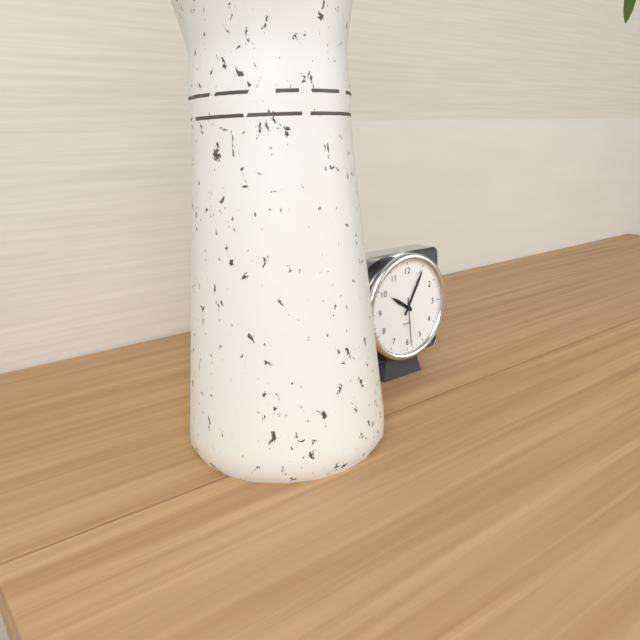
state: 10:05
